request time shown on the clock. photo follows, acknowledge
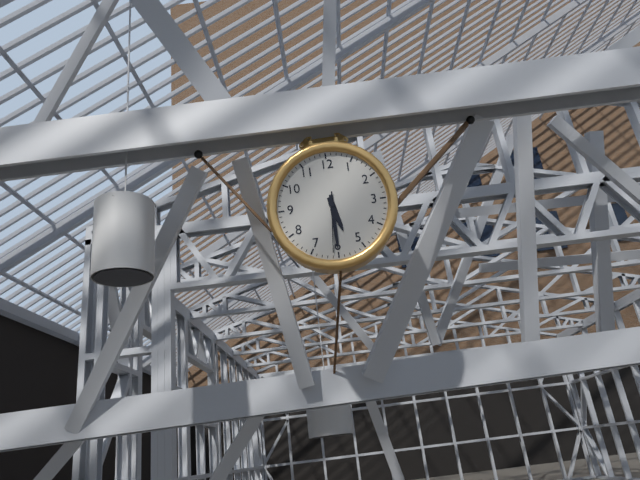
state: 5:30:31
